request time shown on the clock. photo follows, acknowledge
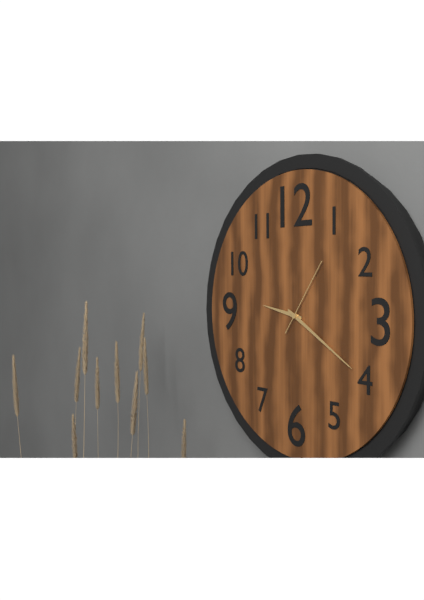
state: 9:20:06
